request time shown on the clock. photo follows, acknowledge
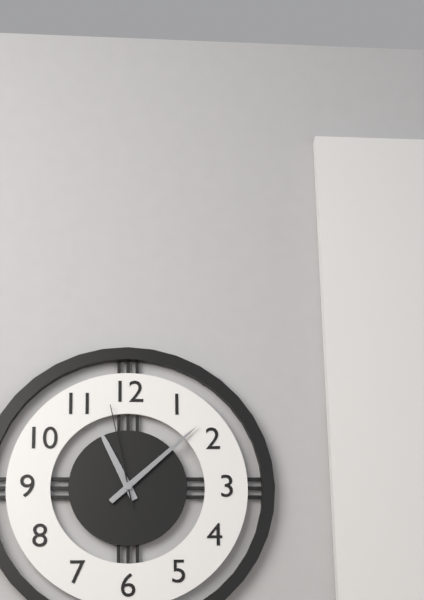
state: 11:08:58
